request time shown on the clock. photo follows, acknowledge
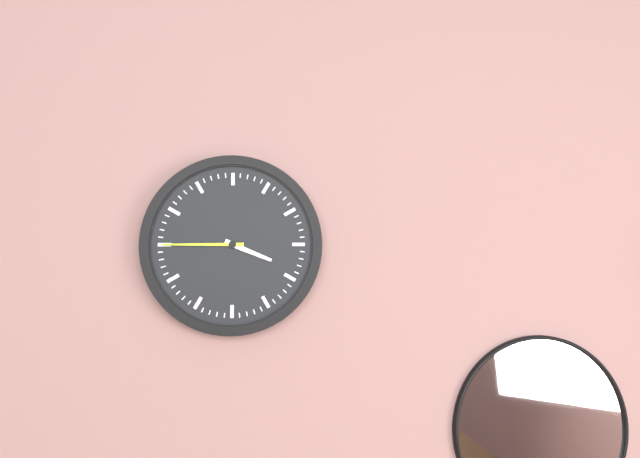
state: 3:45
